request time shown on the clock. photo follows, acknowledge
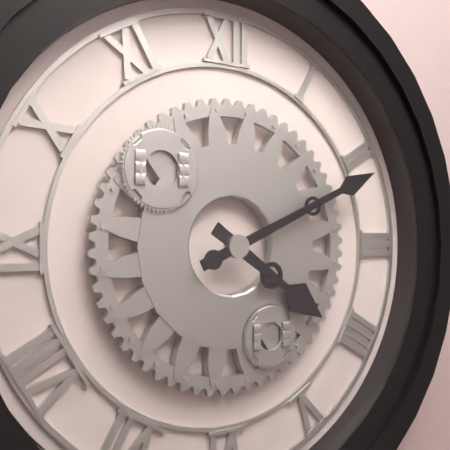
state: 4:11
